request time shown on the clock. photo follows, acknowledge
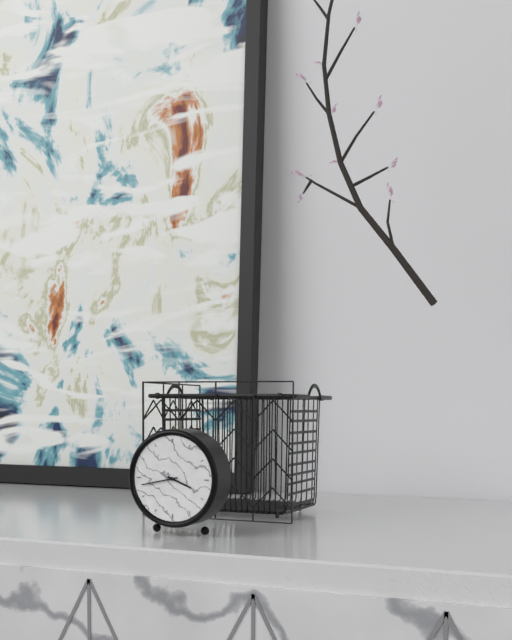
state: 3:43
